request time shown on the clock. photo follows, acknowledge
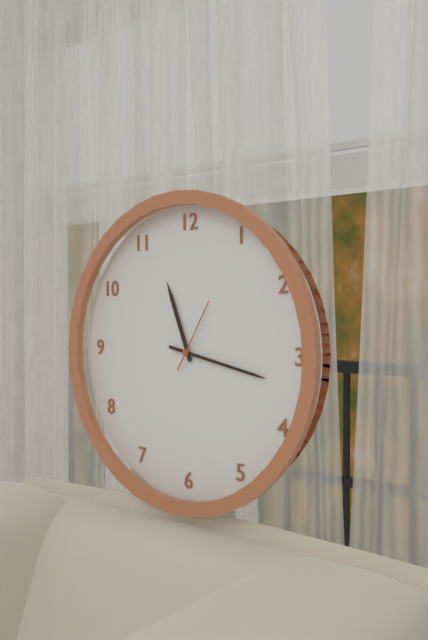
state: 11:17:05
